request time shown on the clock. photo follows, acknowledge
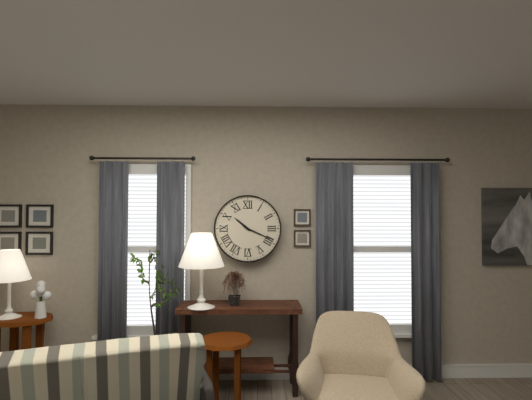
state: 10:19
